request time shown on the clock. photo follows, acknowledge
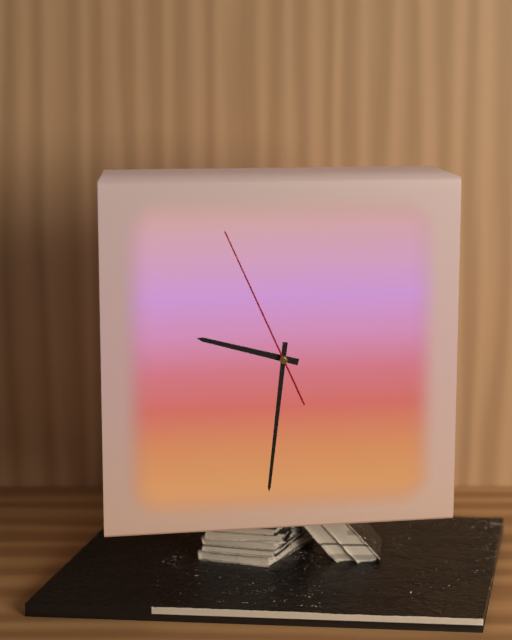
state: 9:31:56
